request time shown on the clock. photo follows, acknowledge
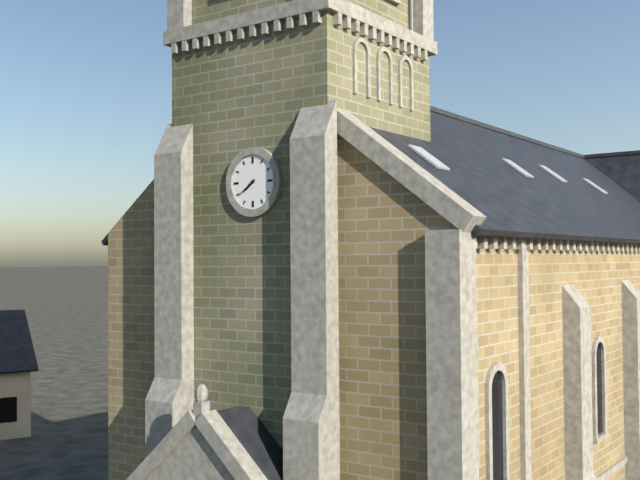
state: 7:39
